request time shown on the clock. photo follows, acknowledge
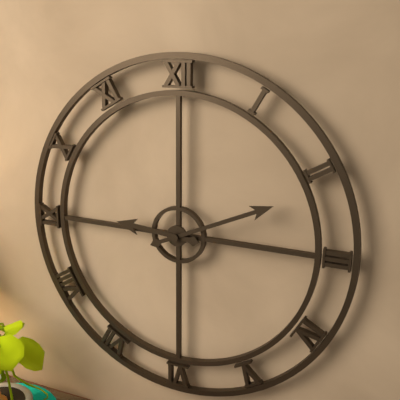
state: 9:11
